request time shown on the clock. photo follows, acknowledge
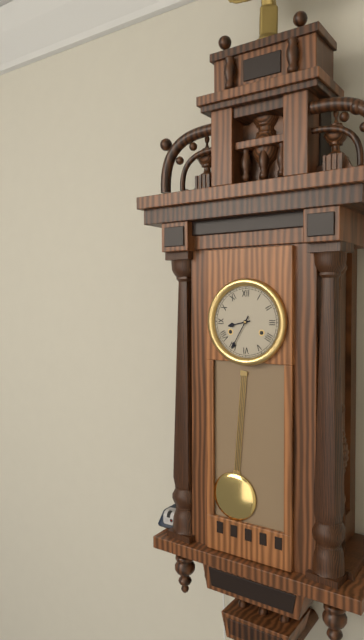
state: 8:35
